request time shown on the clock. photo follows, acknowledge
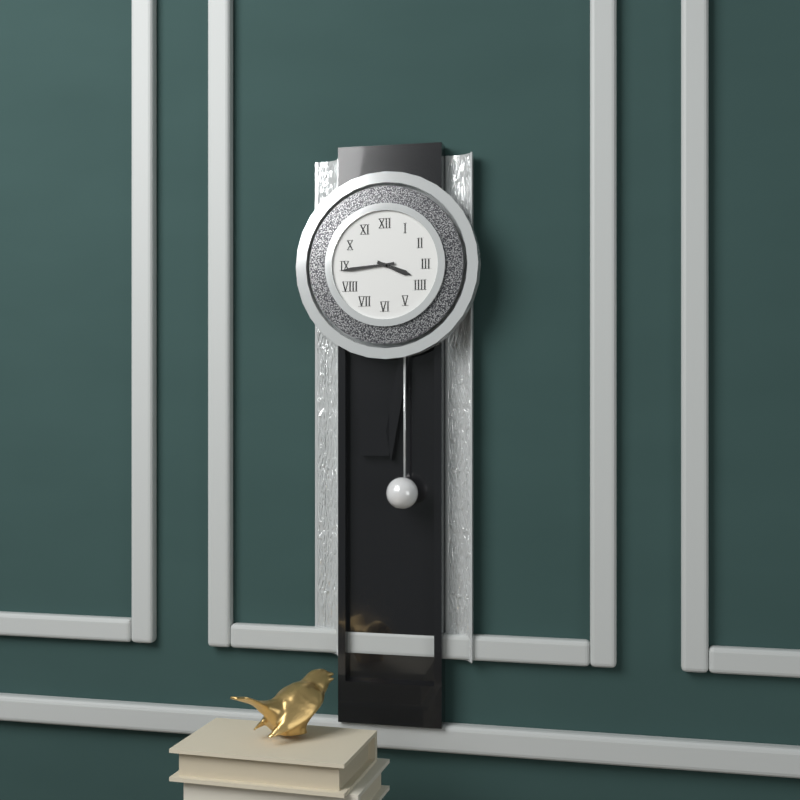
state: 3:44
